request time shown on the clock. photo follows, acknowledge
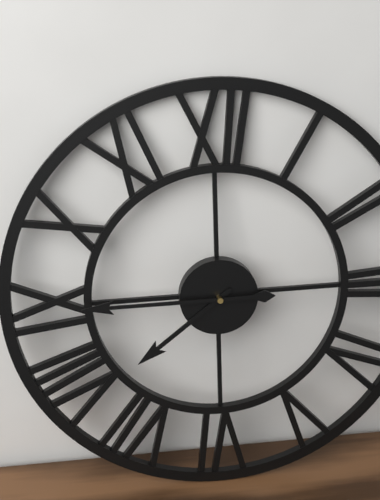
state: 7:45
